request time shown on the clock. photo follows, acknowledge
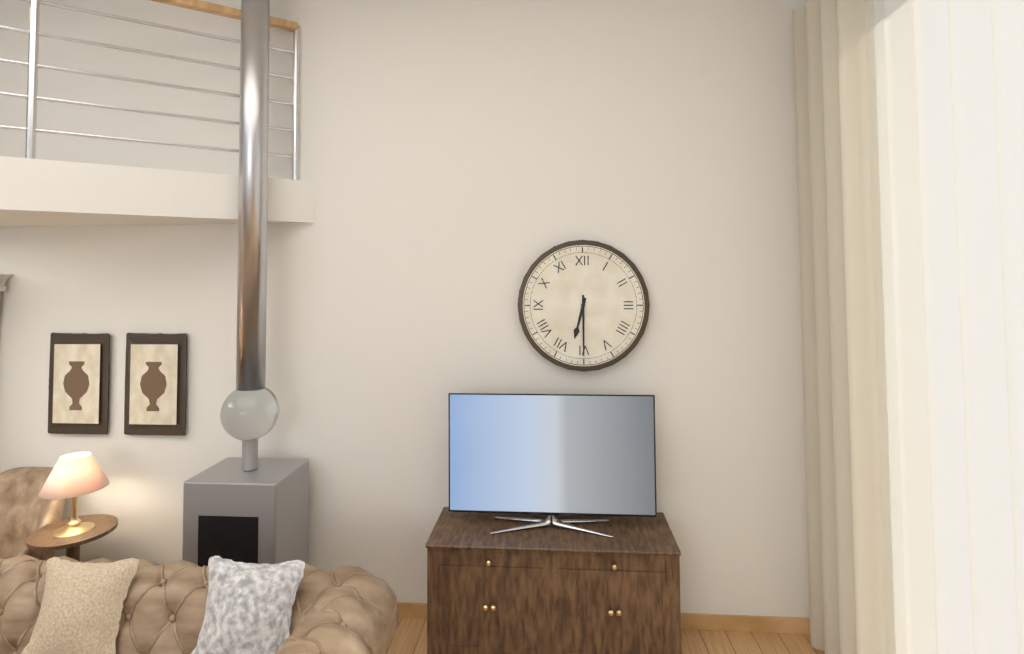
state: 6:30
